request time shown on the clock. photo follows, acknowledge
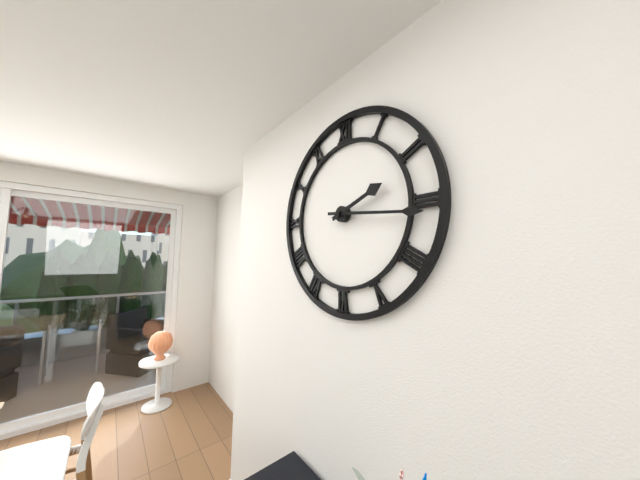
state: 2:16
